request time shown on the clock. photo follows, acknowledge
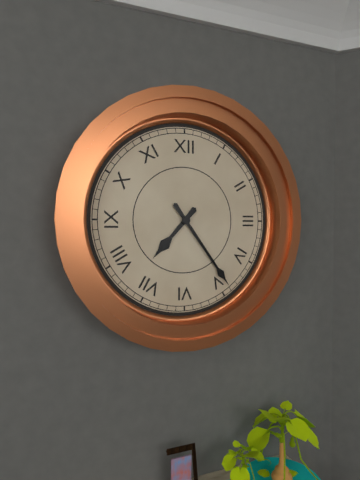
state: 7:24
